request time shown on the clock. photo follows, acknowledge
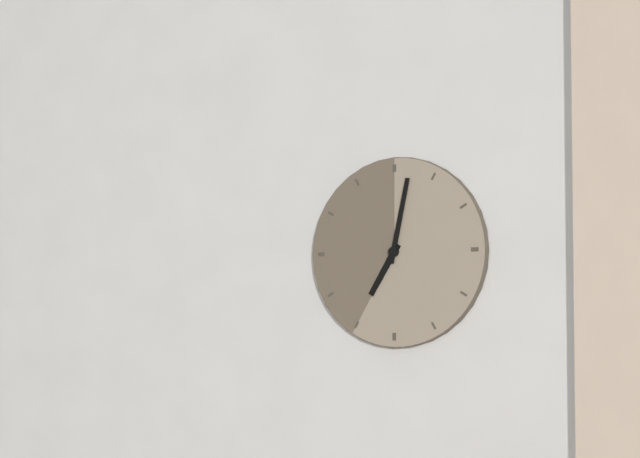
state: 7:02
